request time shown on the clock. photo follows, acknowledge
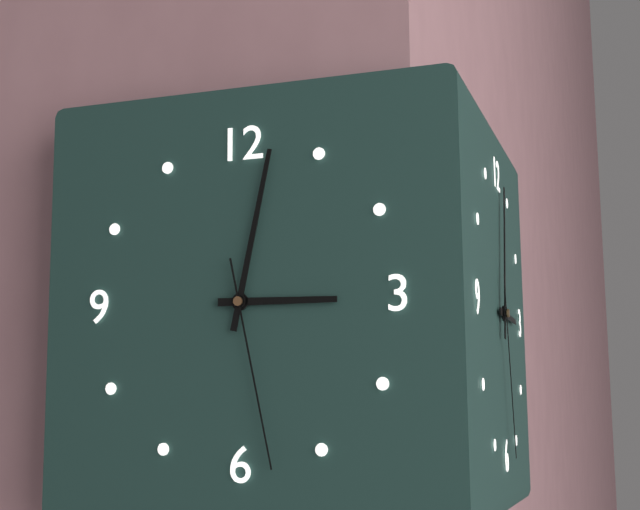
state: 3:02:28
